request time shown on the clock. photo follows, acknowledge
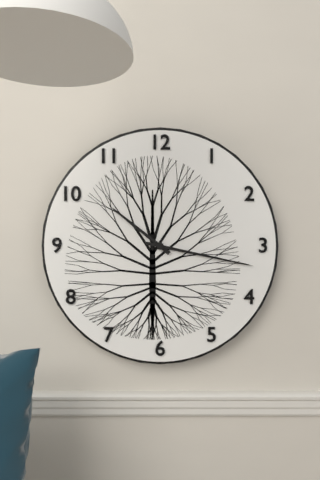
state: 10:17
